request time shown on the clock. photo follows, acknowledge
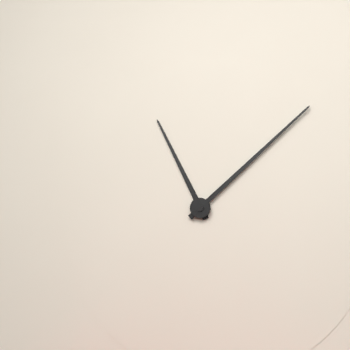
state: 11:08
